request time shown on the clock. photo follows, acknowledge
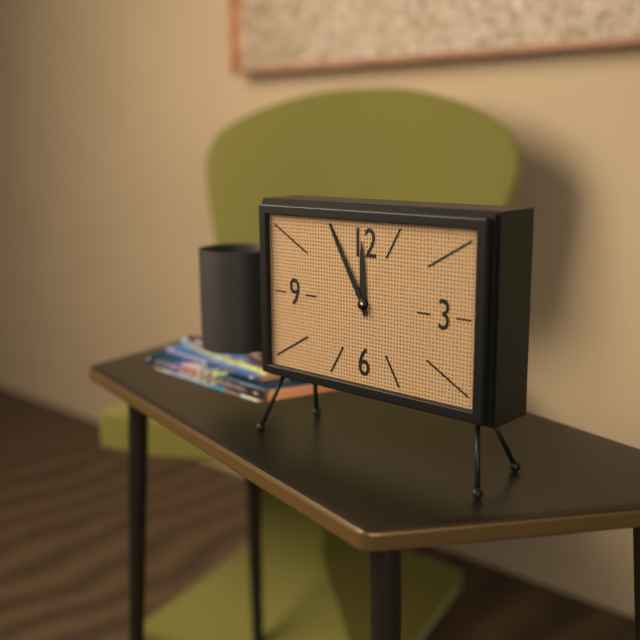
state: 11:55
